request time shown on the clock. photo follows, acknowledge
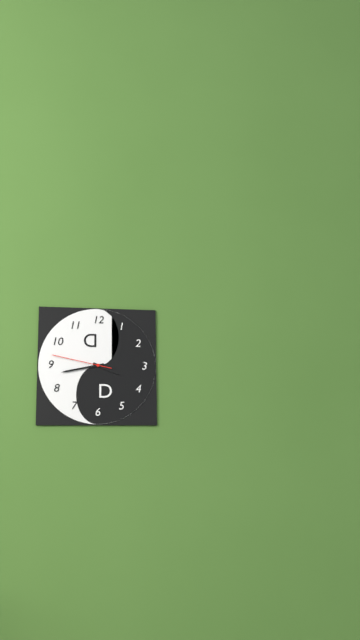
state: 3:43:47
